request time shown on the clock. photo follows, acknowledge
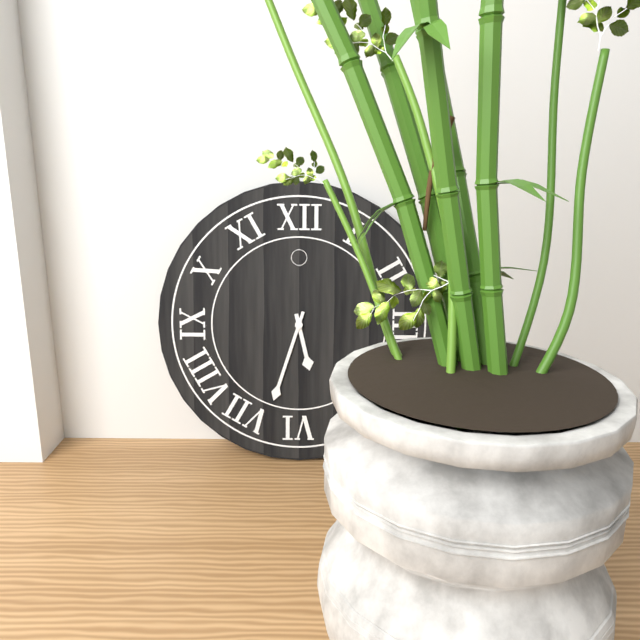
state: 5:33
